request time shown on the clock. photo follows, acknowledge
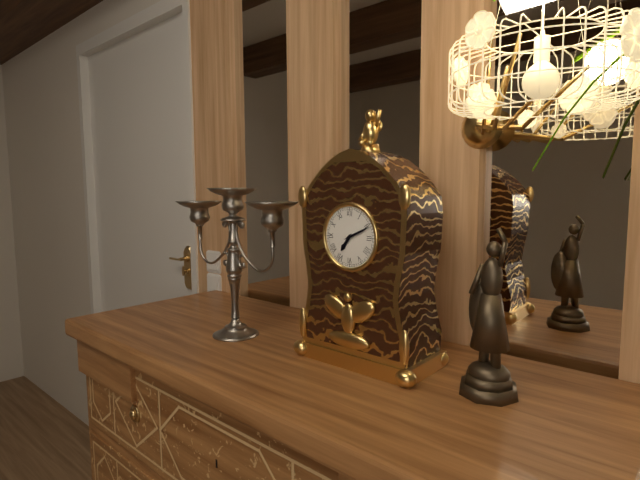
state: 7:11
